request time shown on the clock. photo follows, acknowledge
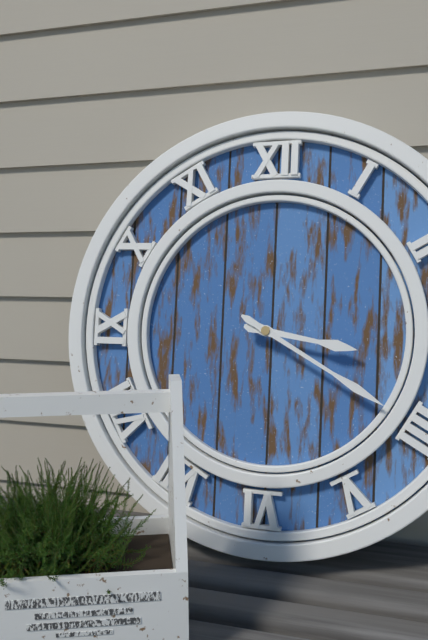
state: 3:20
